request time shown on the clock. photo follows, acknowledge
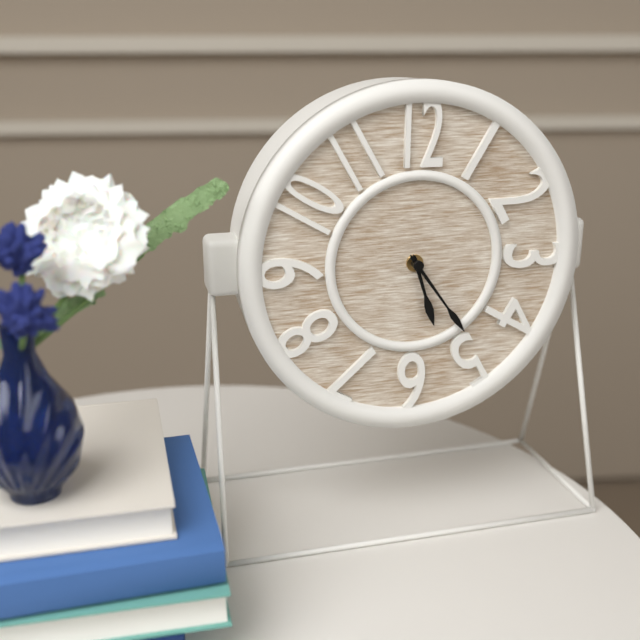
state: 5:24
